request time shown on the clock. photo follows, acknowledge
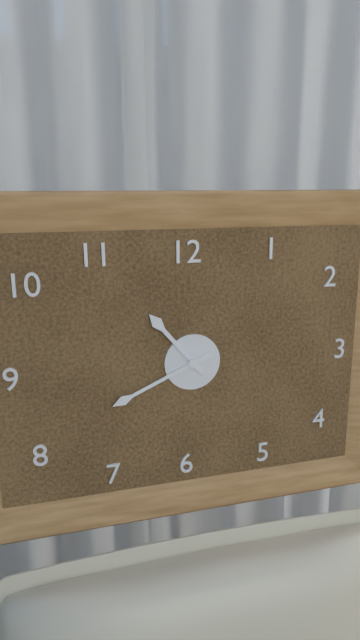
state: 10:41
